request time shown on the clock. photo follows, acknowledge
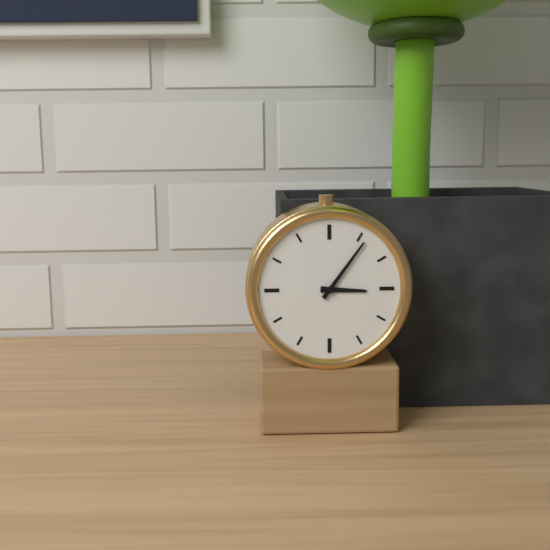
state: 3:06
